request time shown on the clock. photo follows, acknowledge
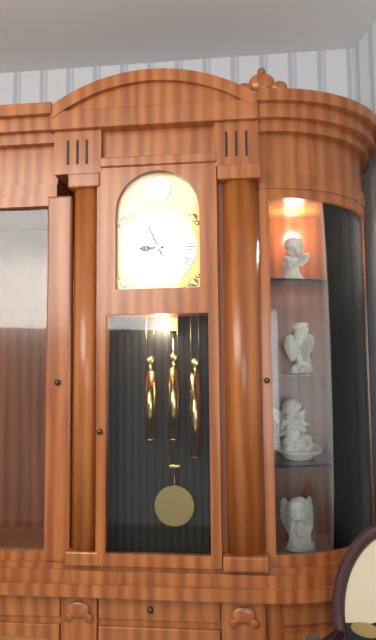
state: 8:56
